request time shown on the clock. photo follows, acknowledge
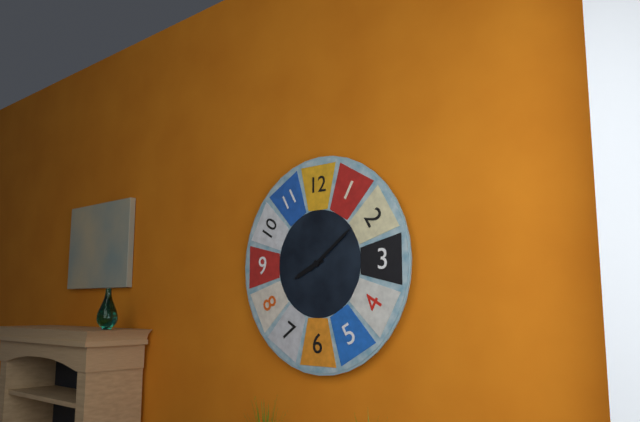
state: 8:09
